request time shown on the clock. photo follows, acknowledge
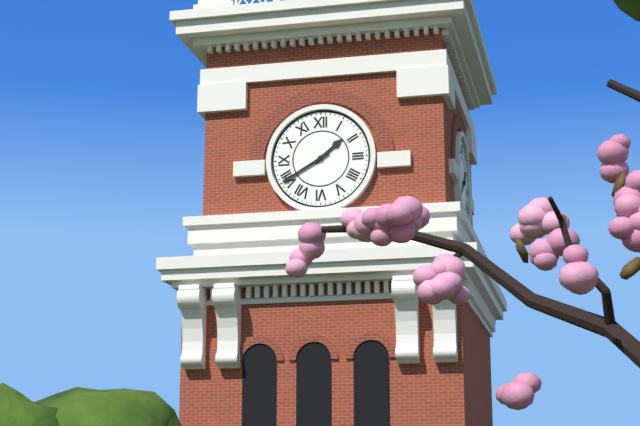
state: 1:40
